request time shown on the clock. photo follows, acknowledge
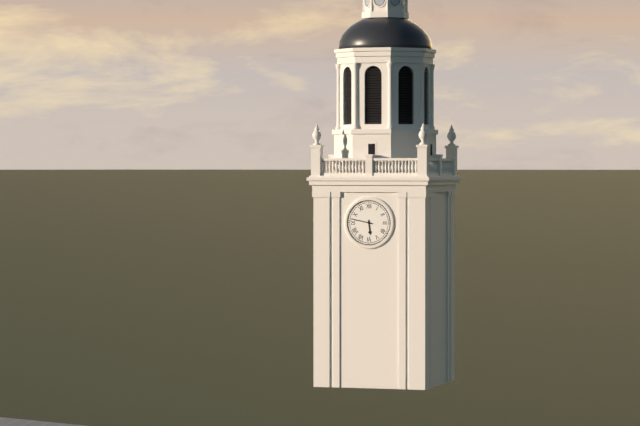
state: 5:47
